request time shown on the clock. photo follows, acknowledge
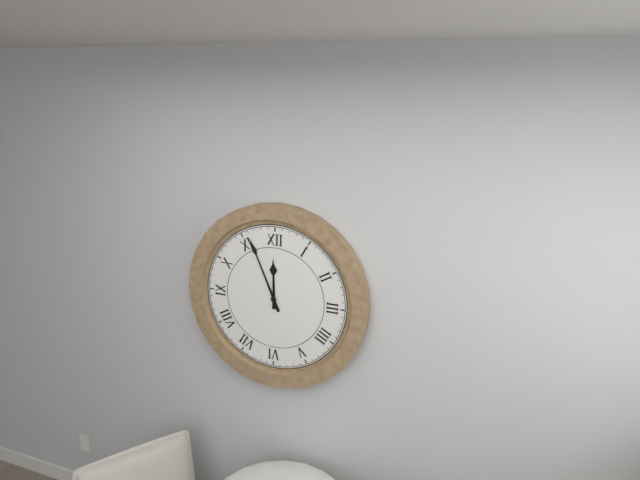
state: 11:56
